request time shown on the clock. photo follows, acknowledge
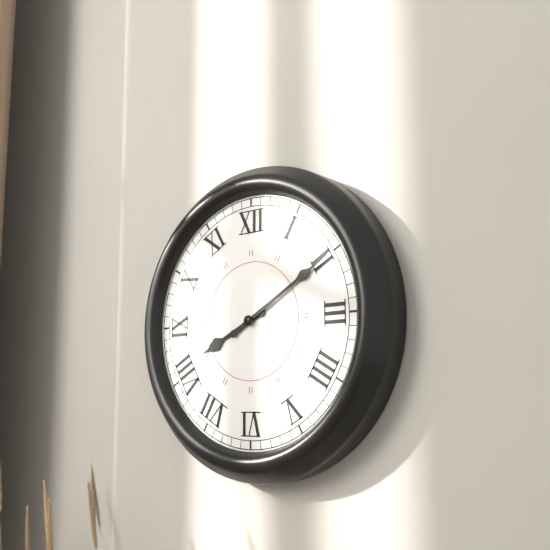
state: 8:10
